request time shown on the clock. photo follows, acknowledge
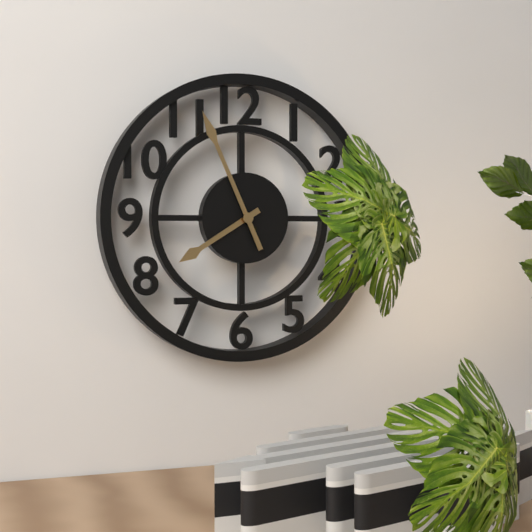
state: 7:56
